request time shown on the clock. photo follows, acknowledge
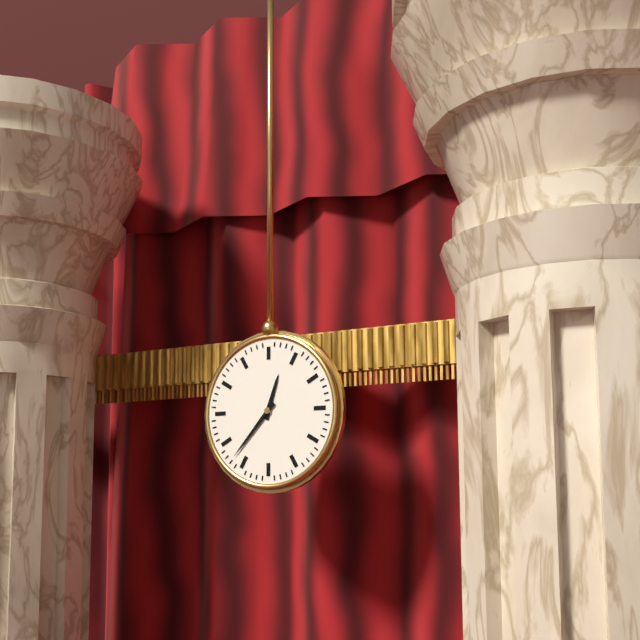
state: 12:37
